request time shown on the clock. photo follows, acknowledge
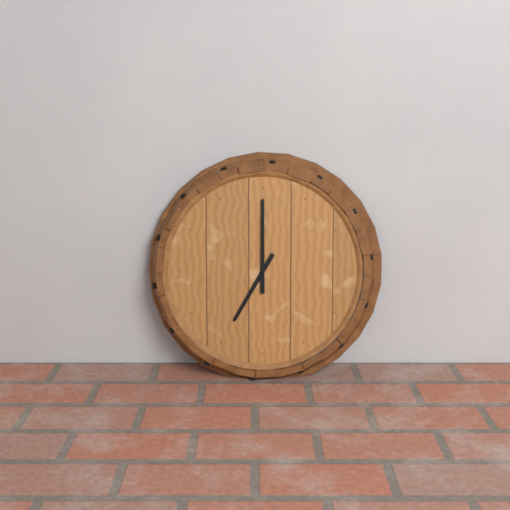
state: 7:00
